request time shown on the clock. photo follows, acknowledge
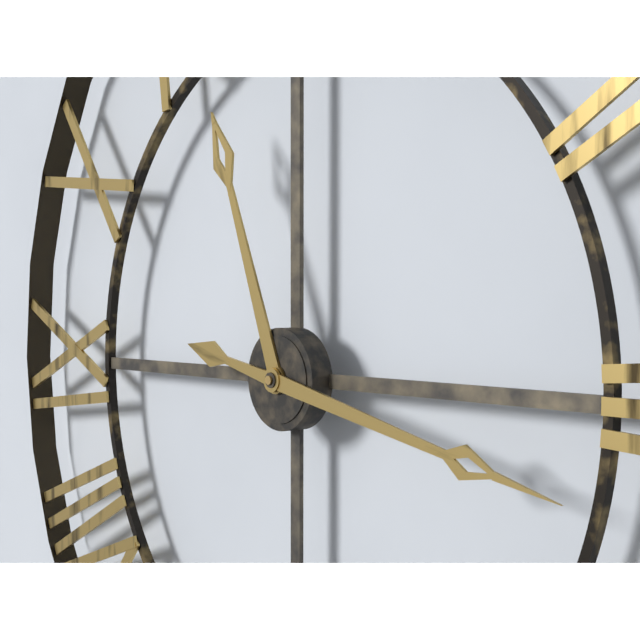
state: 11:17
